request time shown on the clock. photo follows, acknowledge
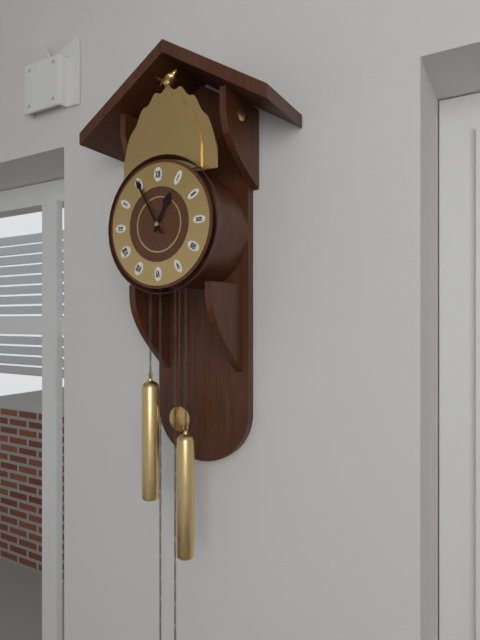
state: 12:55
